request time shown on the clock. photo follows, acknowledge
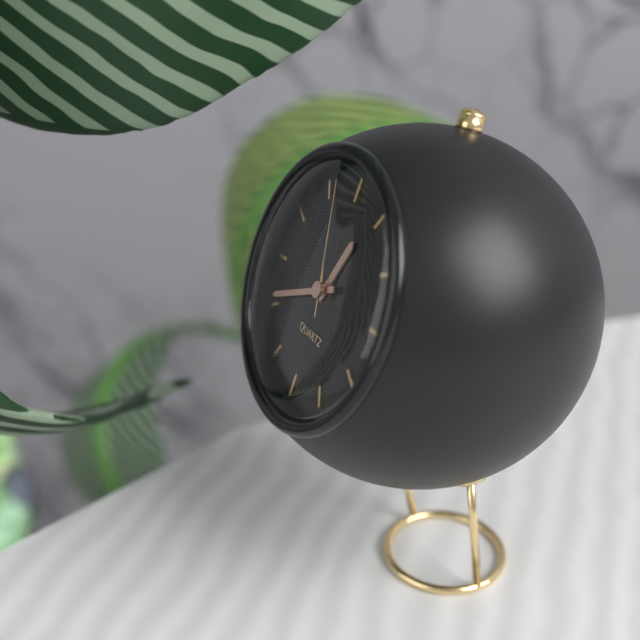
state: 12:41:57
